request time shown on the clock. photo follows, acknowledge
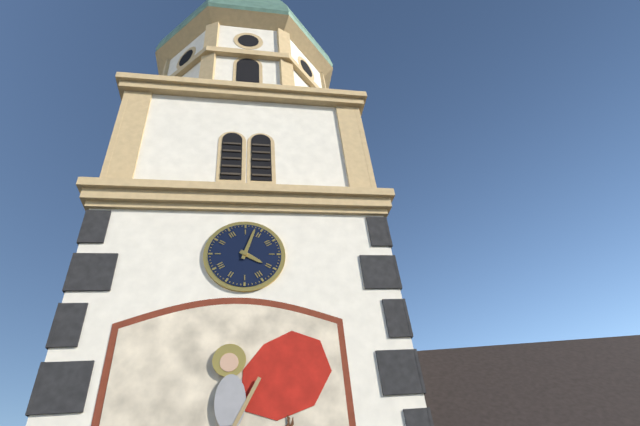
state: 4:03
